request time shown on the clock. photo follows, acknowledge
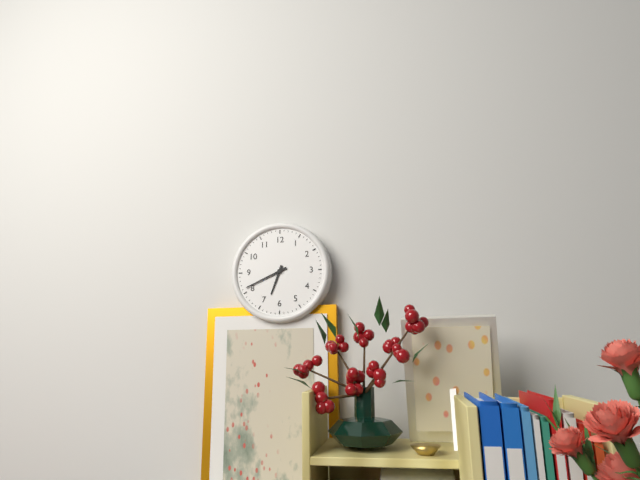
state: 6:41
